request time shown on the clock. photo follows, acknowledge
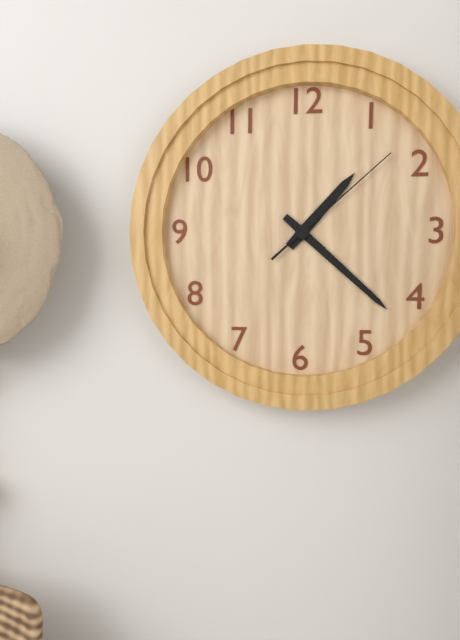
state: 1:22:08
